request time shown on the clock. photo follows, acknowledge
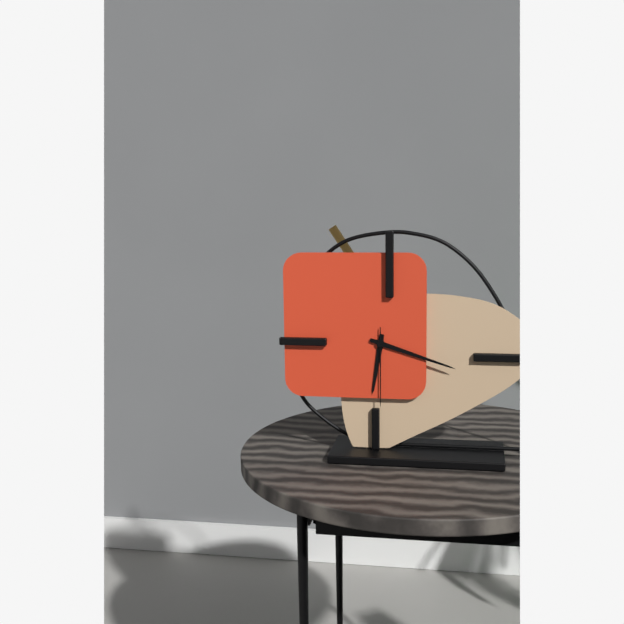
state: 6:18:30
